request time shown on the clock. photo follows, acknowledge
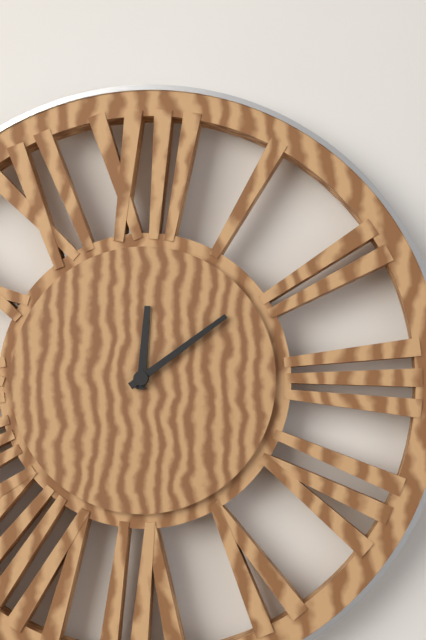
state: 12:09
